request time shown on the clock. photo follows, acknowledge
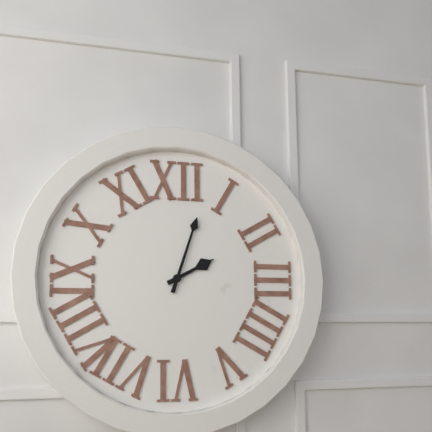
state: 2:03
